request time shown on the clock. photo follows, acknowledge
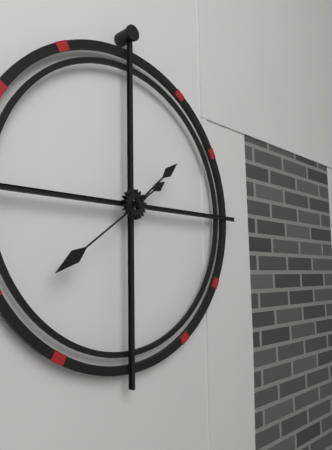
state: 1:39
